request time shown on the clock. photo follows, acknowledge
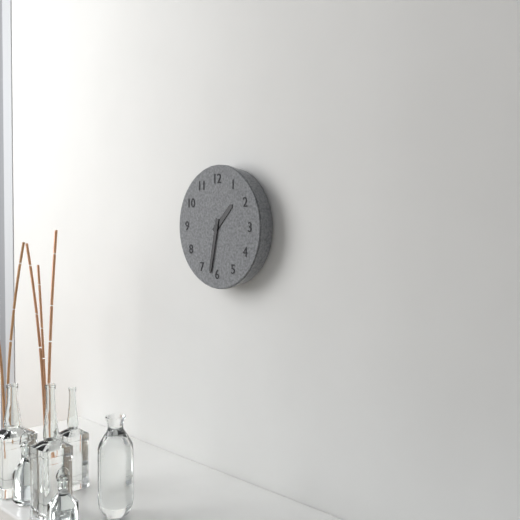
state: 1:32
